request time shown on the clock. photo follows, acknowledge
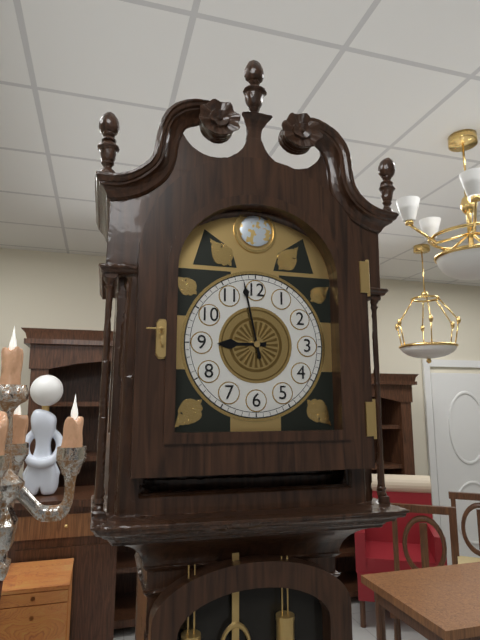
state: 8:58
